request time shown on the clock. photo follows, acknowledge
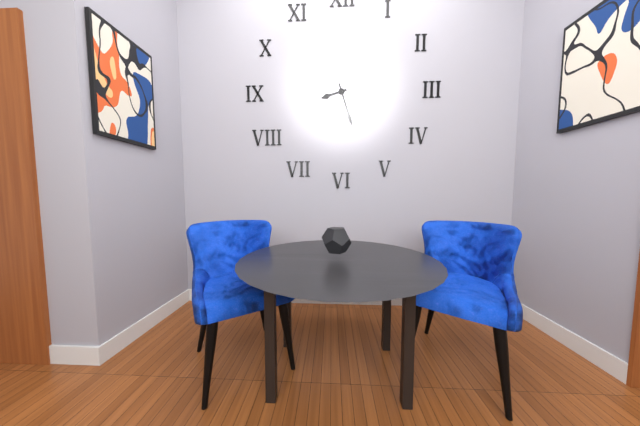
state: 8:27
